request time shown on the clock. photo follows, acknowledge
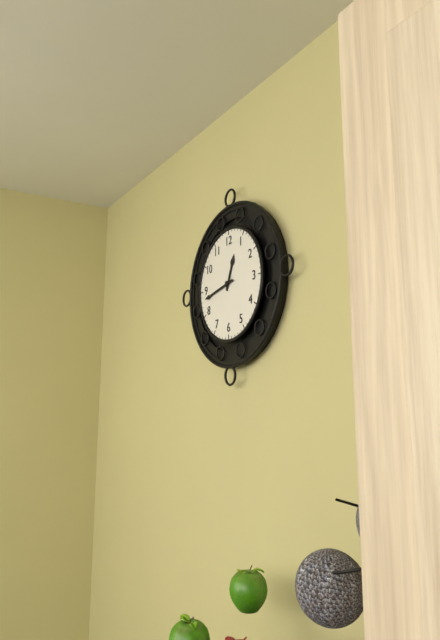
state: 12:43
